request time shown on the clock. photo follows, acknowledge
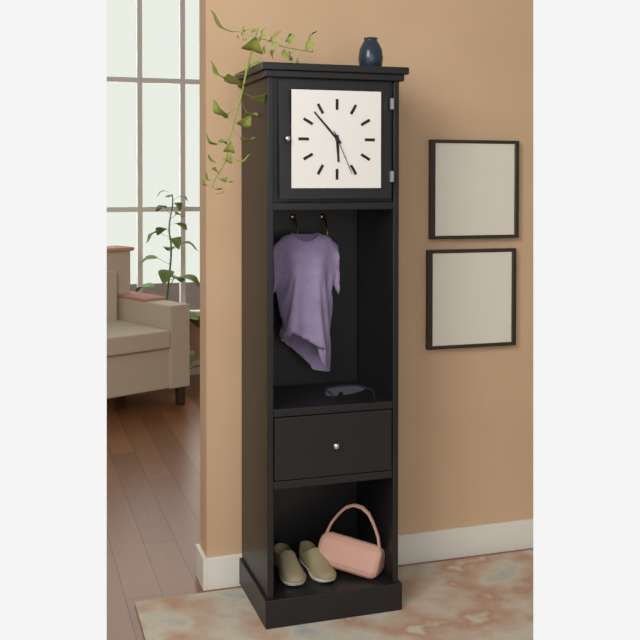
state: 5:53
